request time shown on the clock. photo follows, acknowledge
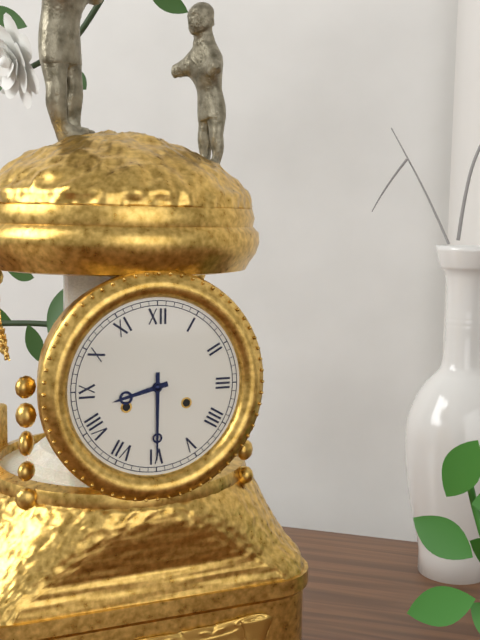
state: 8:30
